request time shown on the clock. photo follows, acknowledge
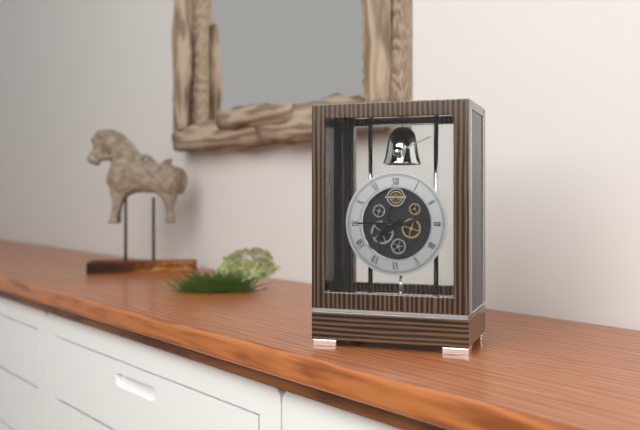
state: 7:45
